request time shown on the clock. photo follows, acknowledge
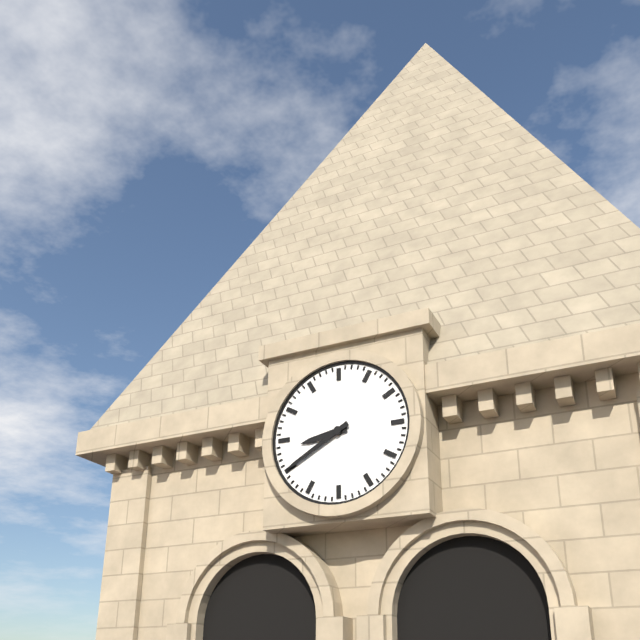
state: 8:40
